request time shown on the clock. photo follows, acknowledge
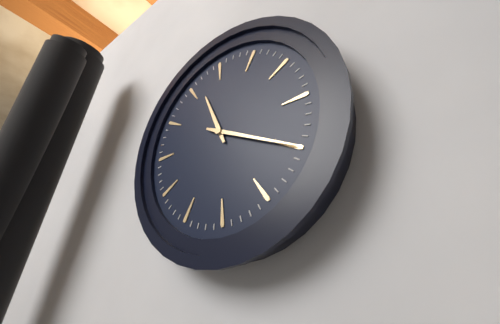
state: 11:20
